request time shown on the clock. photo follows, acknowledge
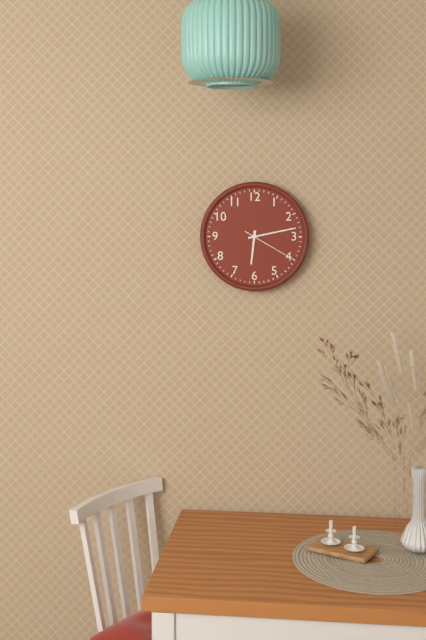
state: 6:13:20
